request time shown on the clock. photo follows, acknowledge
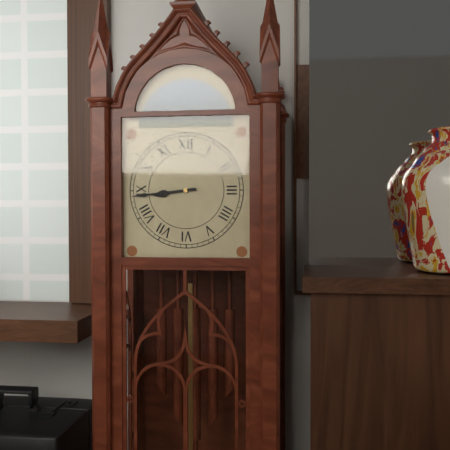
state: 8:44
